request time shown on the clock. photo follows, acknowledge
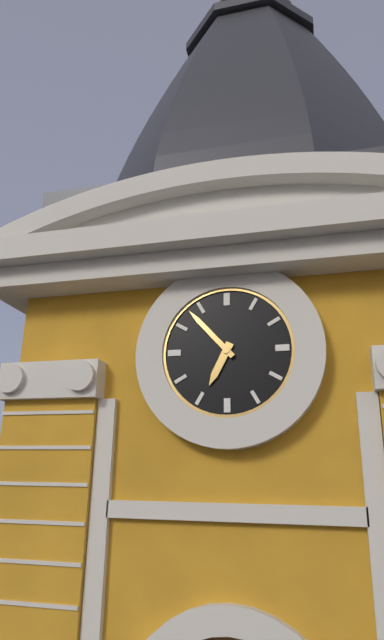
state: 6:53
